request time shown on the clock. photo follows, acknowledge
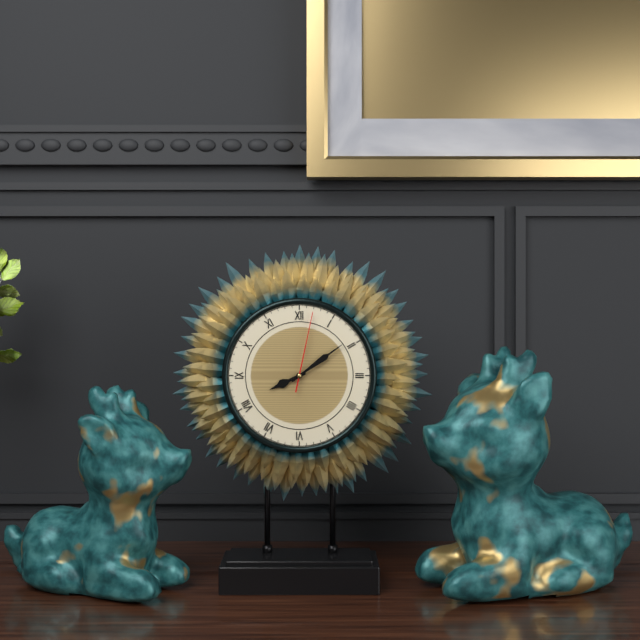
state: 8:09:02
